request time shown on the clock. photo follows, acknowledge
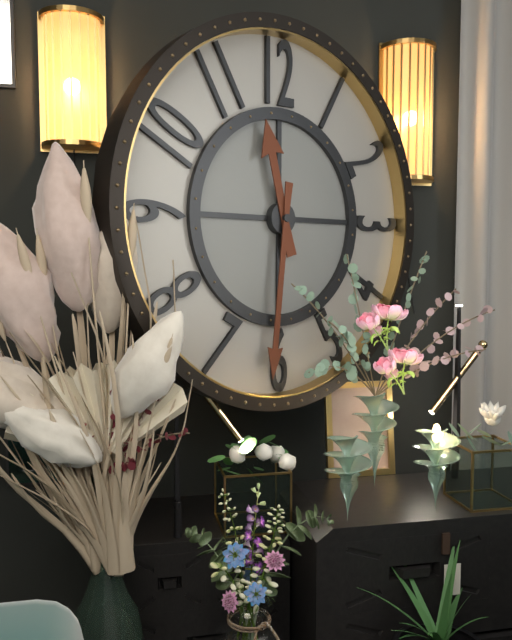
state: 11:31
